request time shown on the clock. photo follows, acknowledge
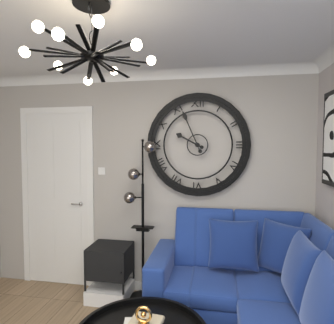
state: 9:56
